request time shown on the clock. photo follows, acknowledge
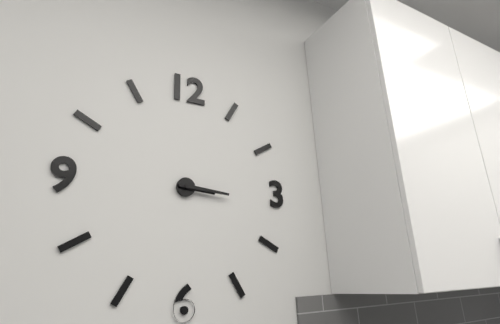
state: 3:16
